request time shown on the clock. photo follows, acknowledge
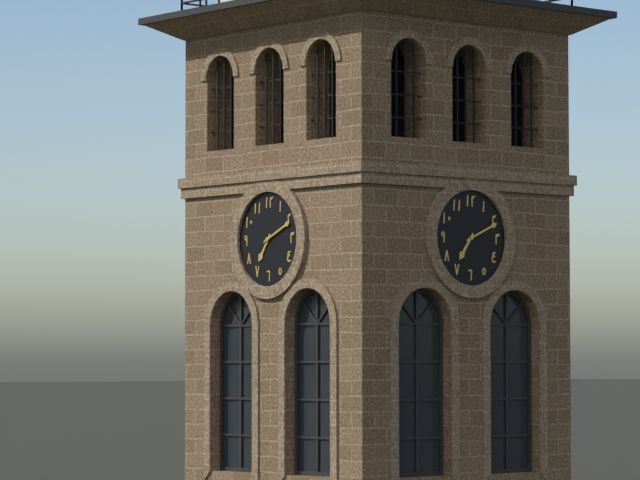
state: 7:11
